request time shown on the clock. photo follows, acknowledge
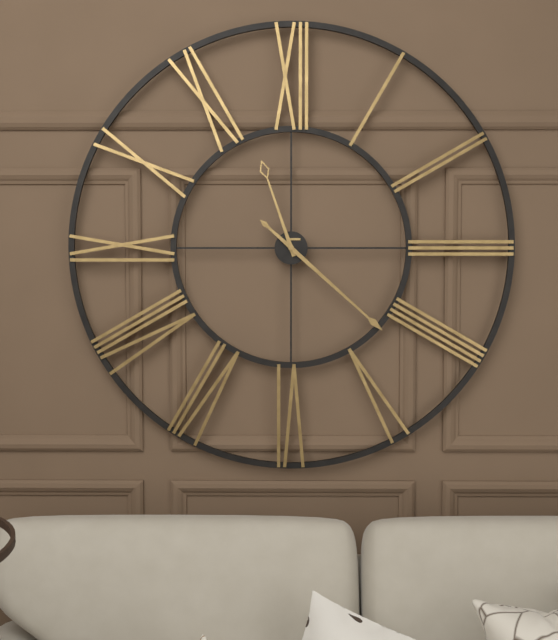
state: 11:22
